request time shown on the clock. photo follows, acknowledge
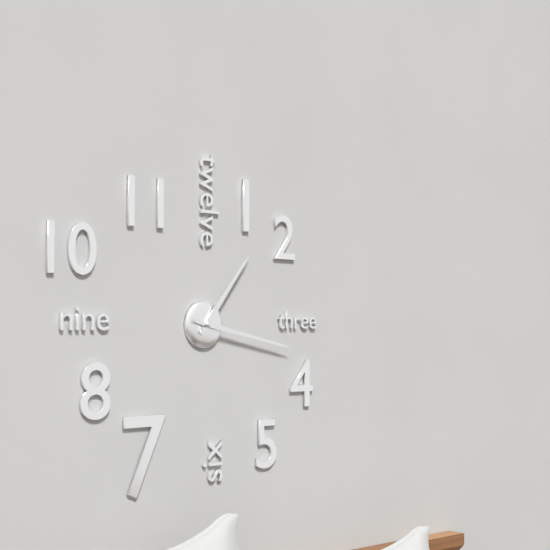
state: 1:17
